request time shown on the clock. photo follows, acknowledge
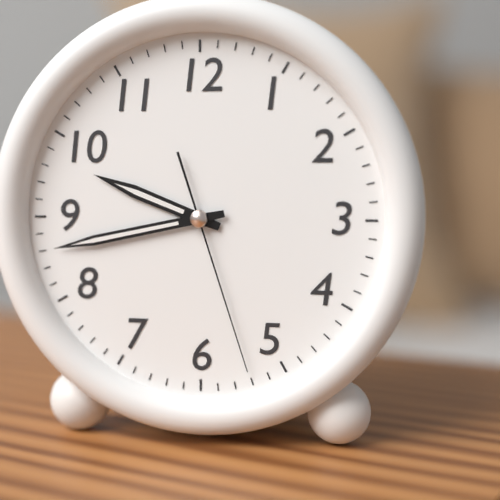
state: 9:43:27
